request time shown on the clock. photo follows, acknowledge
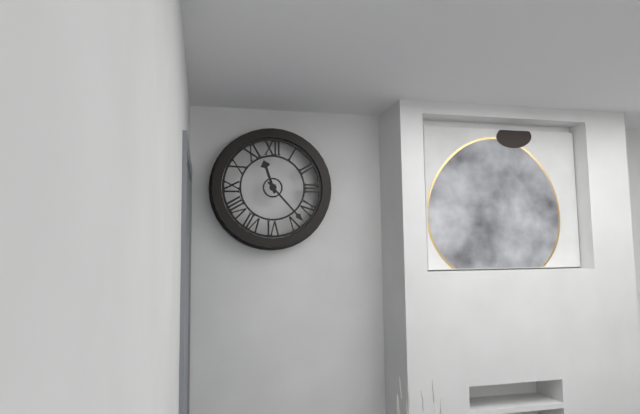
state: 11:23
